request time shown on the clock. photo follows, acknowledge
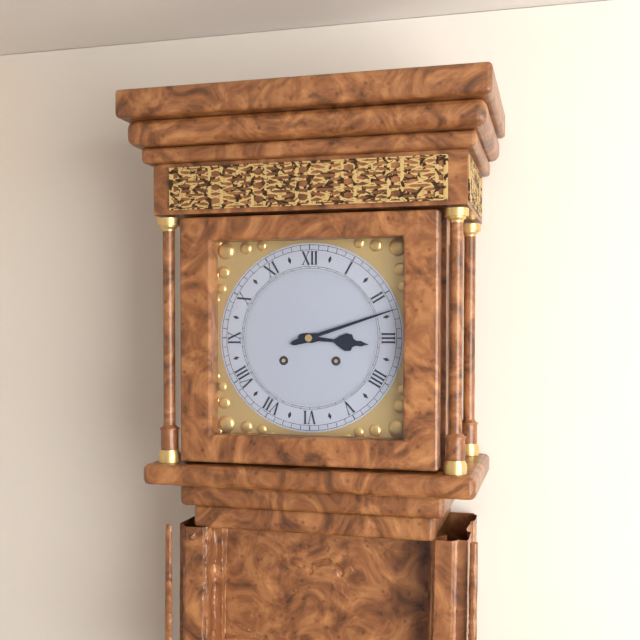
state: 3:12
